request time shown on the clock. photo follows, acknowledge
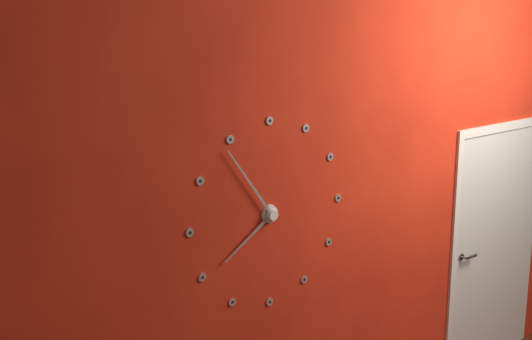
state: 7:54
